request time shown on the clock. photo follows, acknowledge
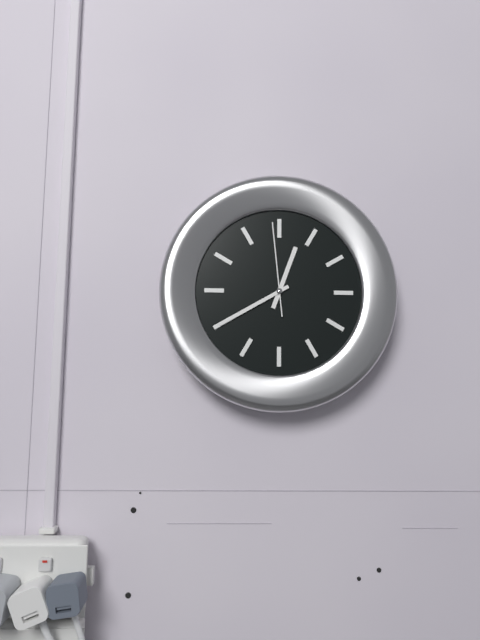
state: 12:40:59
